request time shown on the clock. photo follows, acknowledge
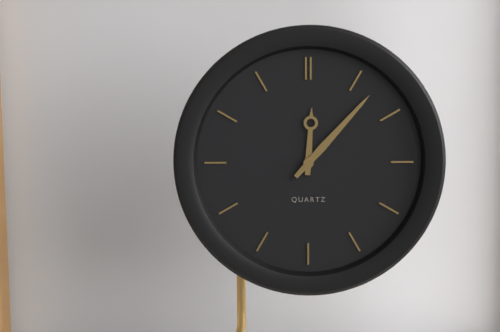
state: 12:07
